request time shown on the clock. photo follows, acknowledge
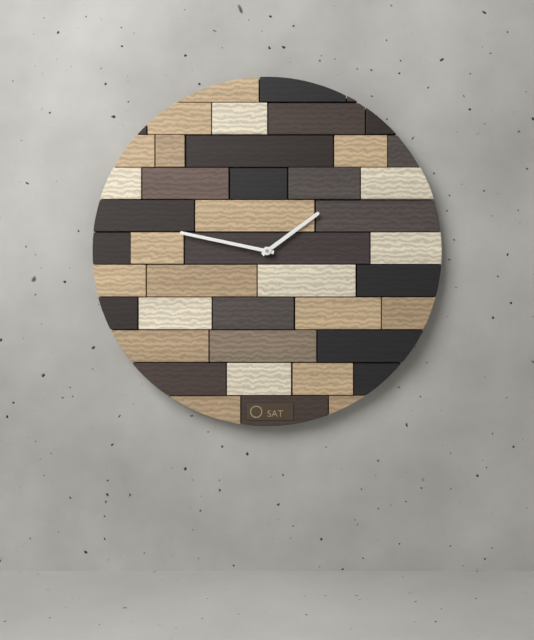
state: 1:47
